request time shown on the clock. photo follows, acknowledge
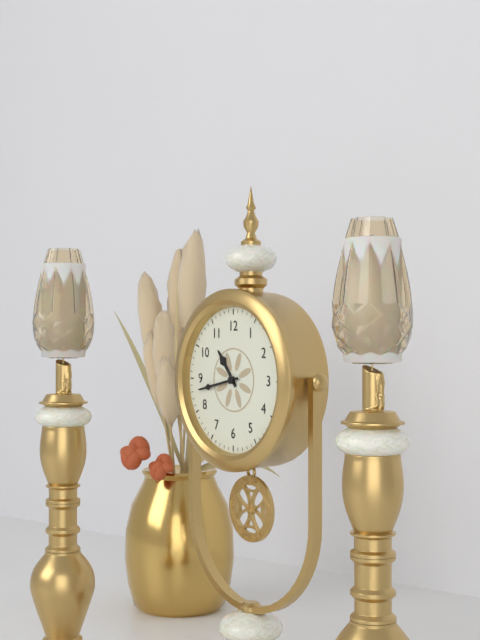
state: 10:43
